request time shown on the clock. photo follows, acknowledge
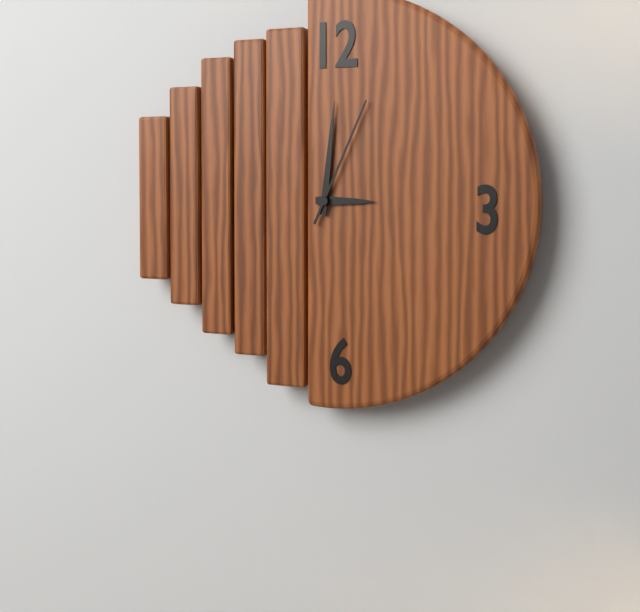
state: 3:01:04
